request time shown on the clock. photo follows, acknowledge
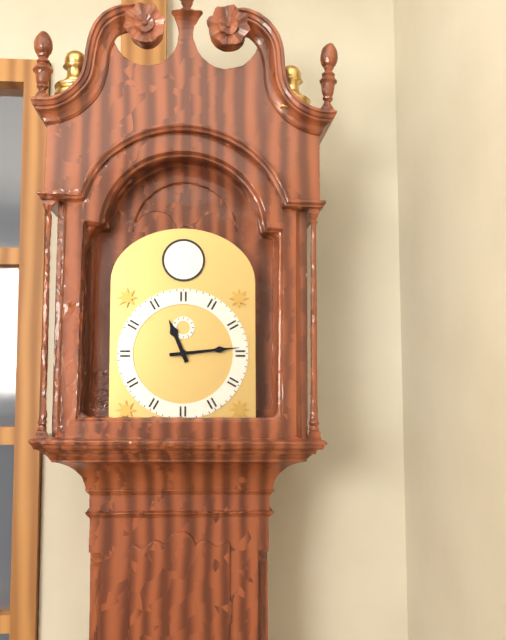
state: 11:14
